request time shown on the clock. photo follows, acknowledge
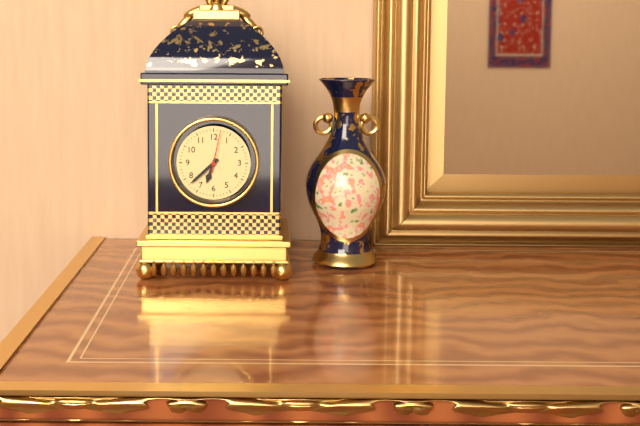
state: 6:38
